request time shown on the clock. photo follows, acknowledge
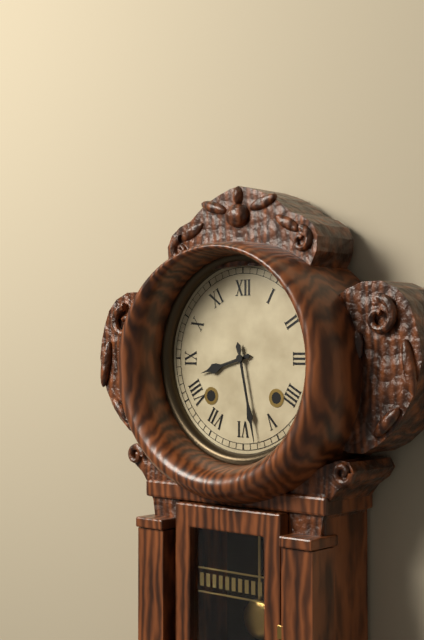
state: 8:28
